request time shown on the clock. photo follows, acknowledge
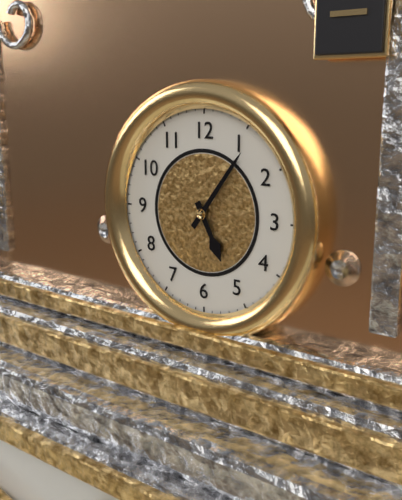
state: 5:06
